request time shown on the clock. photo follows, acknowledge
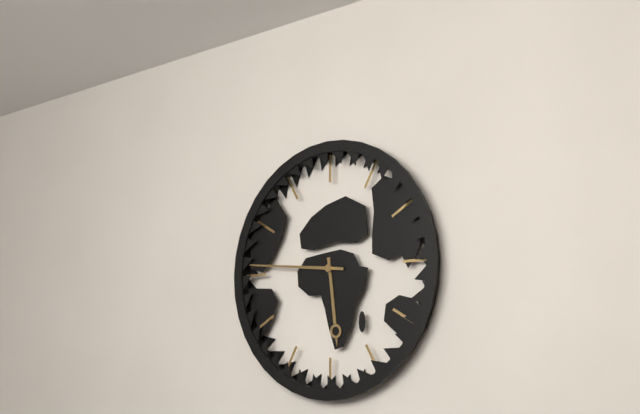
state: 5:46
